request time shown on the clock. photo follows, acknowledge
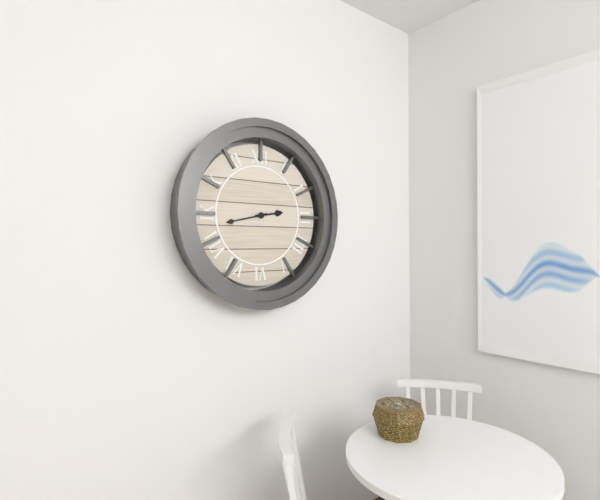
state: 2:43
